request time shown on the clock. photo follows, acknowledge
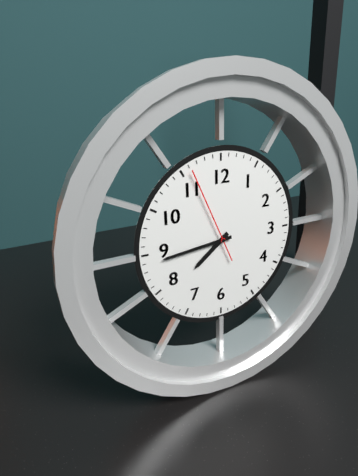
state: 7:44:56
